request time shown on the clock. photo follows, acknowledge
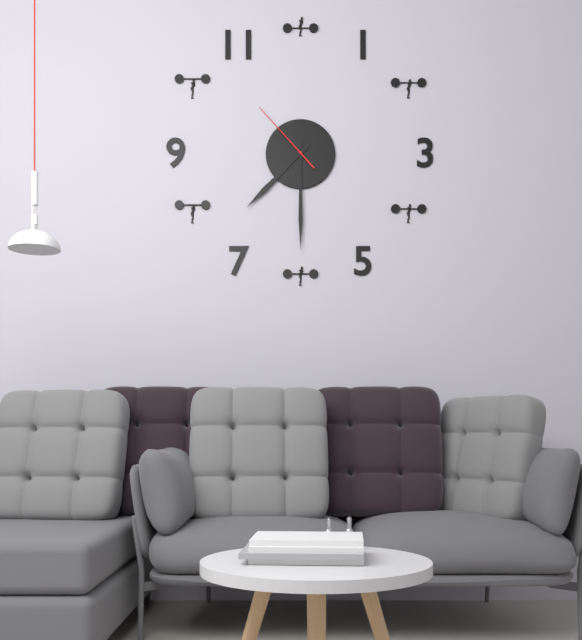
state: 7:30:53
